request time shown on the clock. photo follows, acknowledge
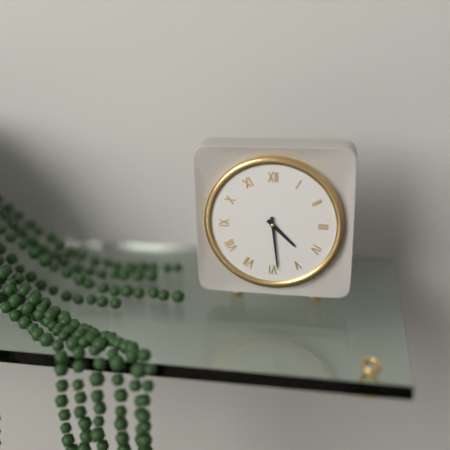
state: 4:29
